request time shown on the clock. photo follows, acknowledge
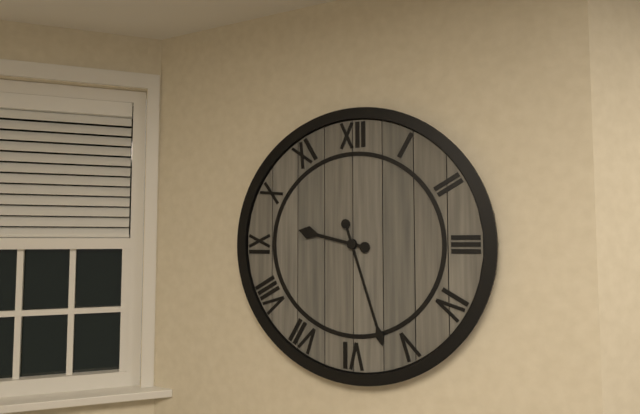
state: 9:27
